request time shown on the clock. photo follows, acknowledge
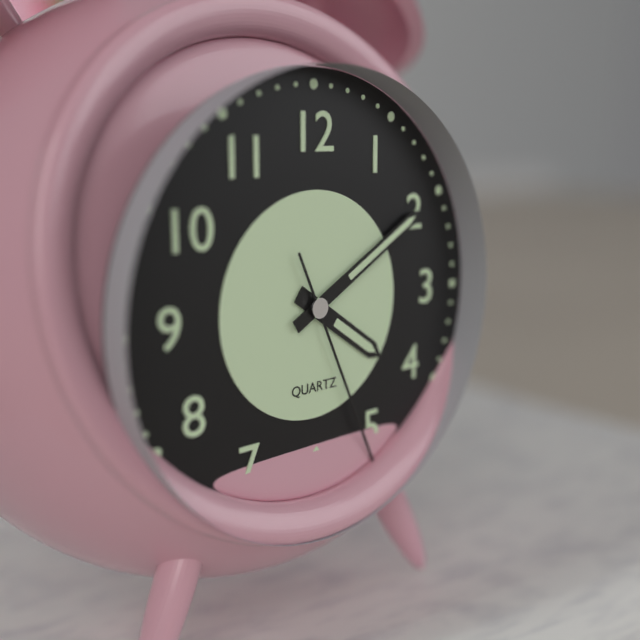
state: 4:10:26
